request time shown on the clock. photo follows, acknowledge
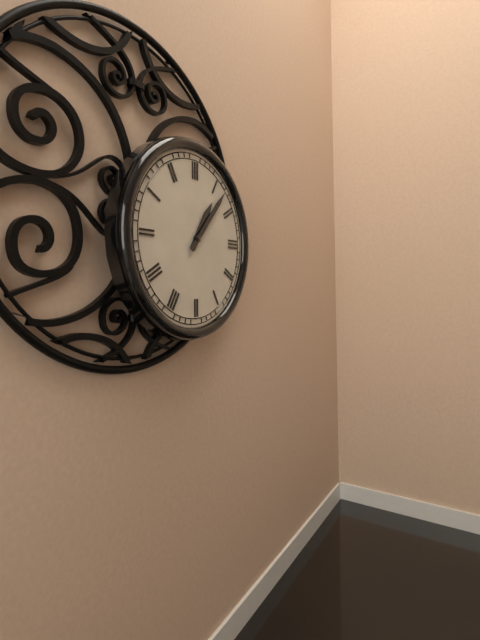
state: 1:07
